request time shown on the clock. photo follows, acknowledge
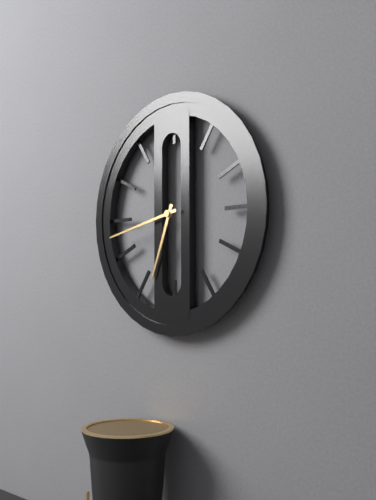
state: 6:43
